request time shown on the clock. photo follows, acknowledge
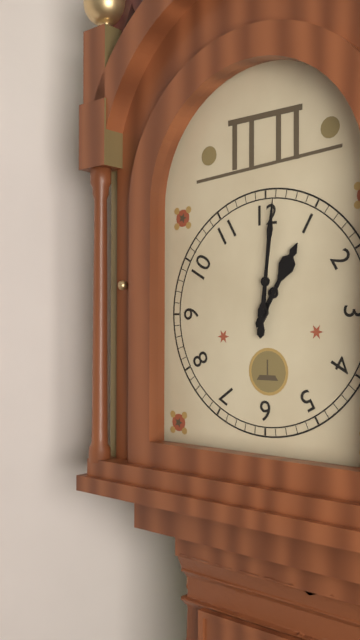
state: 1:01
